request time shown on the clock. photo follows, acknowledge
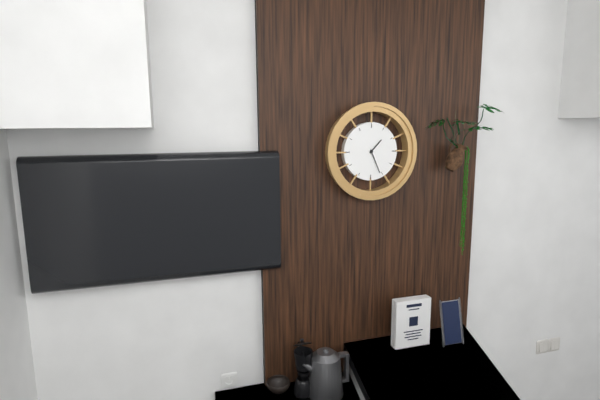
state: 1:26
